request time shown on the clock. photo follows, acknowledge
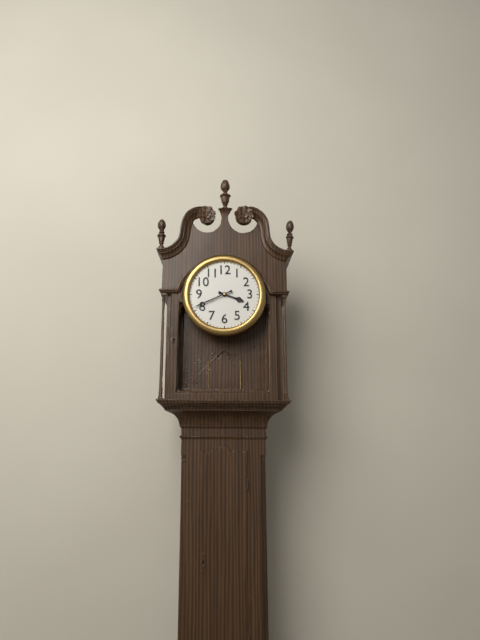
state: 3:41
